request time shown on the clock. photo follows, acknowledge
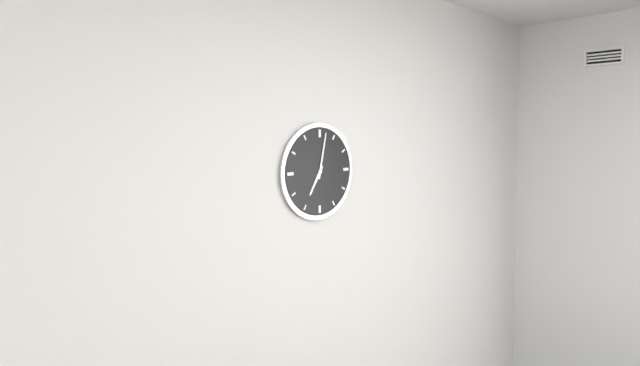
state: 7:02
